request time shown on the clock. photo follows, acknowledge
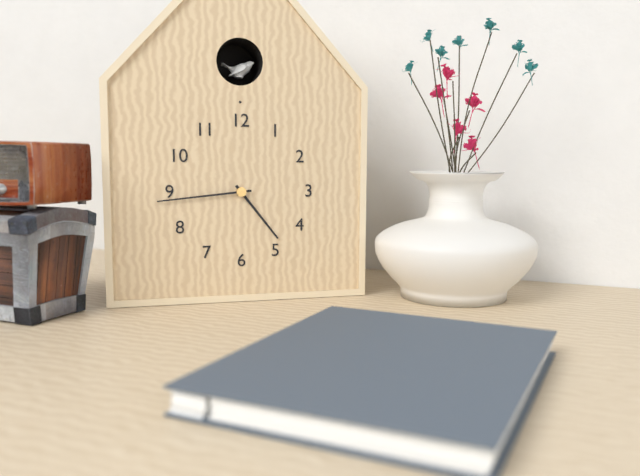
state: 4:44
